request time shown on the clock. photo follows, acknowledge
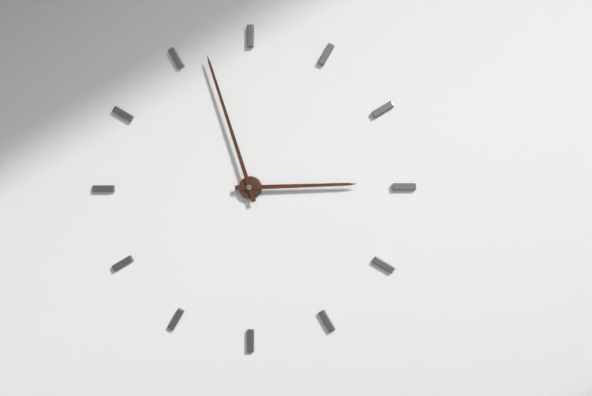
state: 2:57
